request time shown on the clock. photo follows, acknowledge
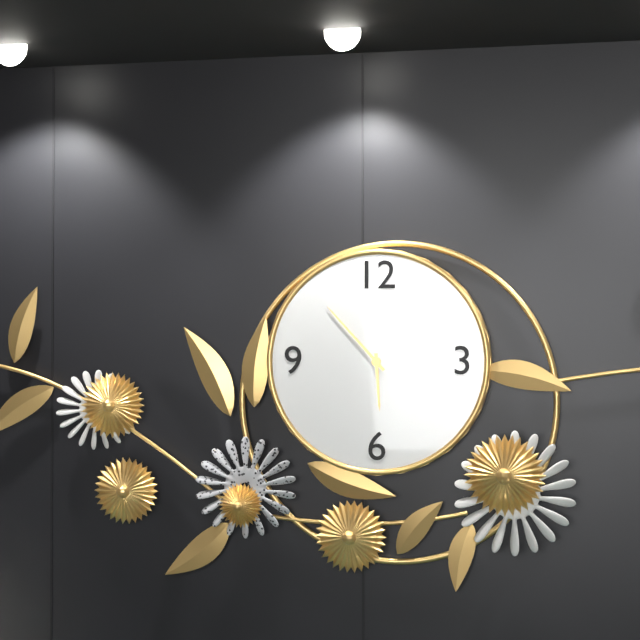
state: 5:53
